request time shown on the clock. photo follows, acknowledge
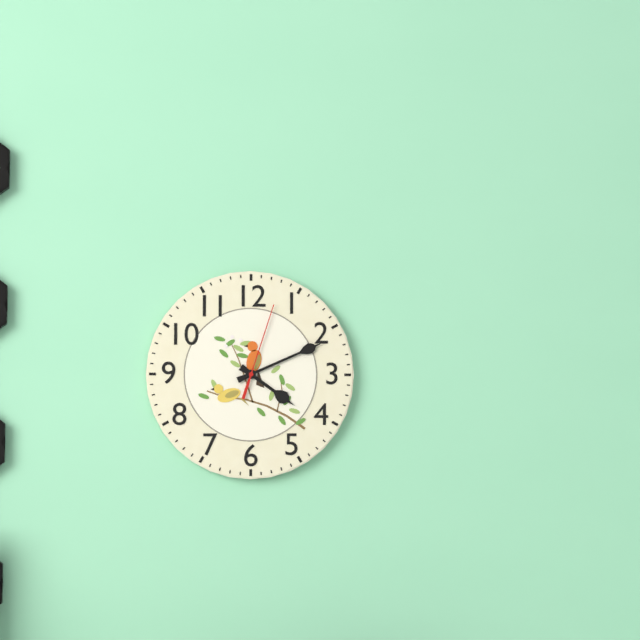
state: 4:11:03
